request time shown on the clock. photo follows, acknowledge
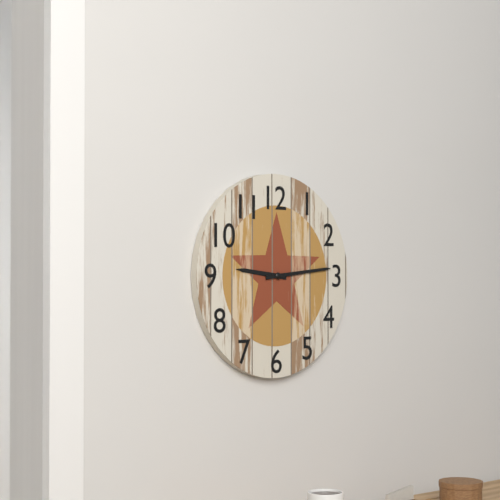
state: 9:14
